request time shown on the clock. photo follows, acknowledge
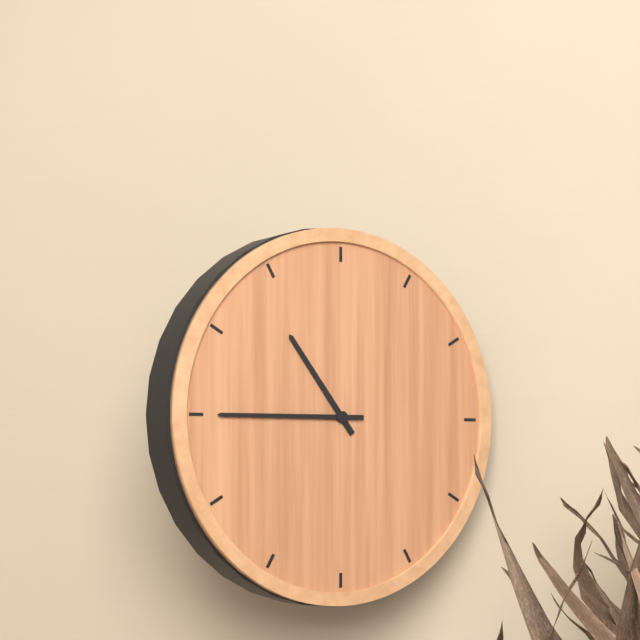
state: 10:45
